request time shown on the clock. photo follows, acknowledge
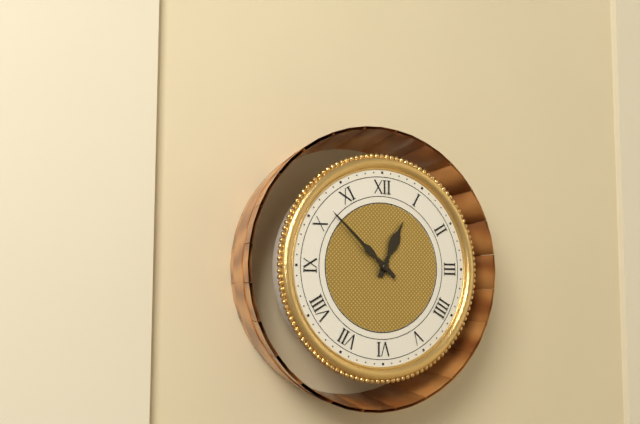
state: 12:52
